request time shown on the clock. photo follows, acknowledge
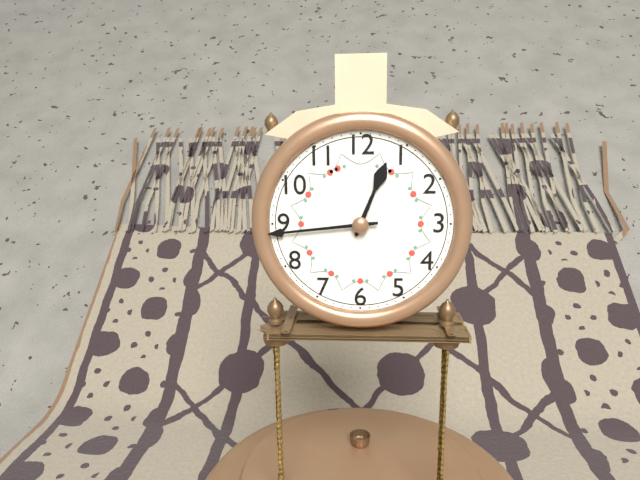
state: 12:44
